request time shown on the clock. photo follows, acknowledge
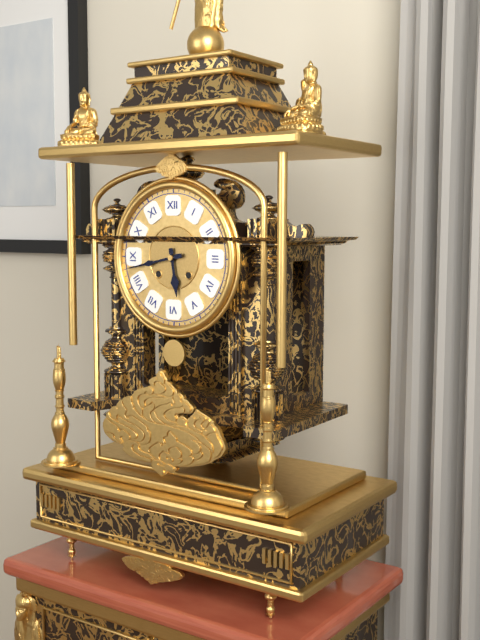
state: 5:43
